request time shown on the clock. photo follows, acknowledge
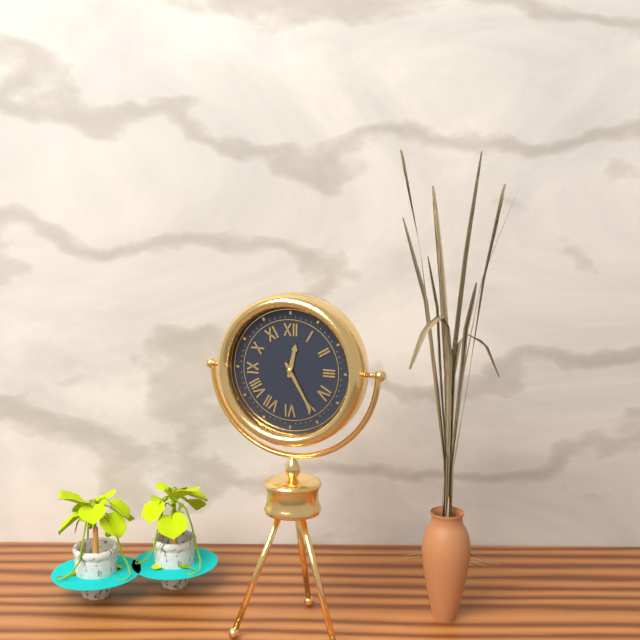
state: 12:25
